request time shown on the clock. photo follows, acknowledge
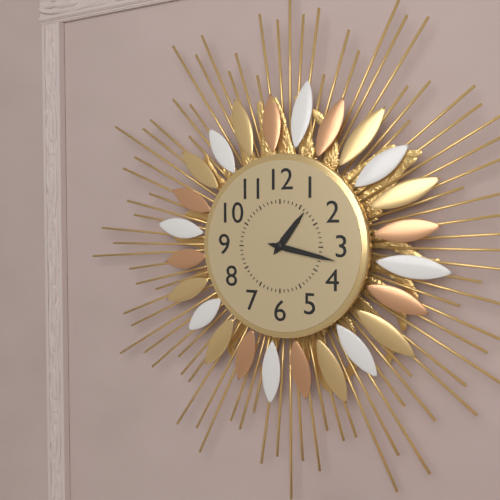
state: 1:17
